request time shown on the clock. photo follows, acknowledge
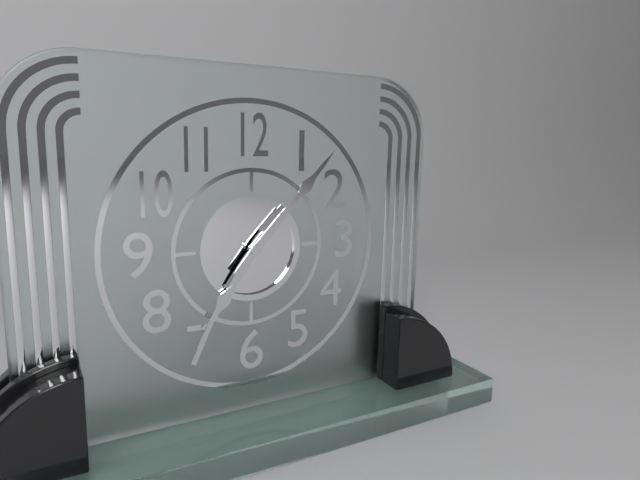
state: 7:07
